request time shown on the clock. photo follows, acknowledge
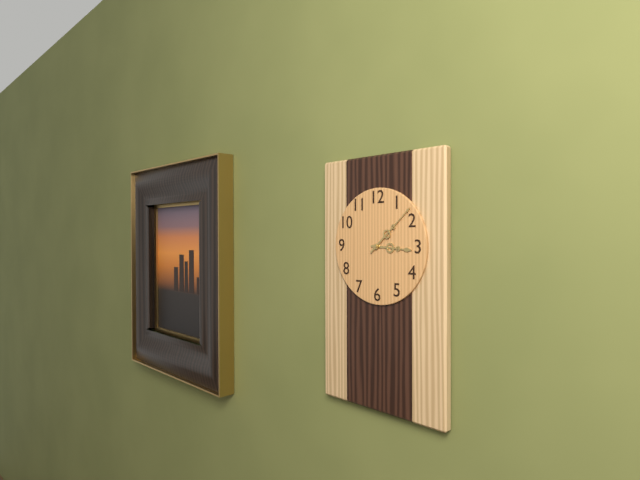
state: 3:08
